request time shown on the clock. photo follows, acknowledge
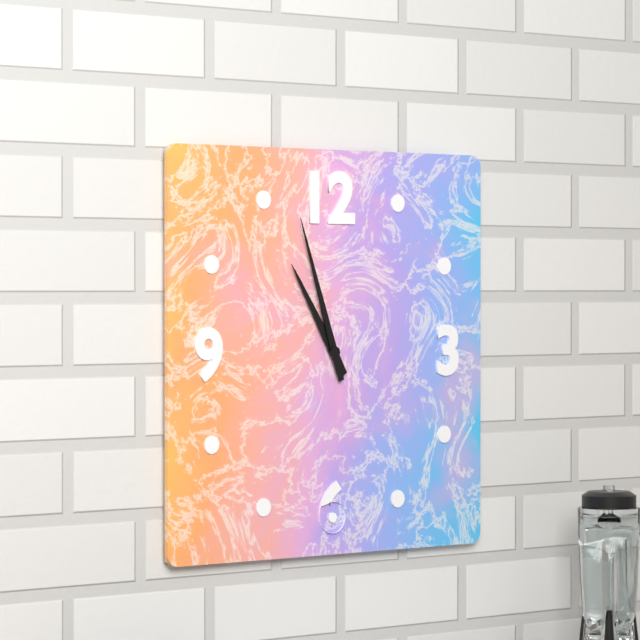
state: 10:57
